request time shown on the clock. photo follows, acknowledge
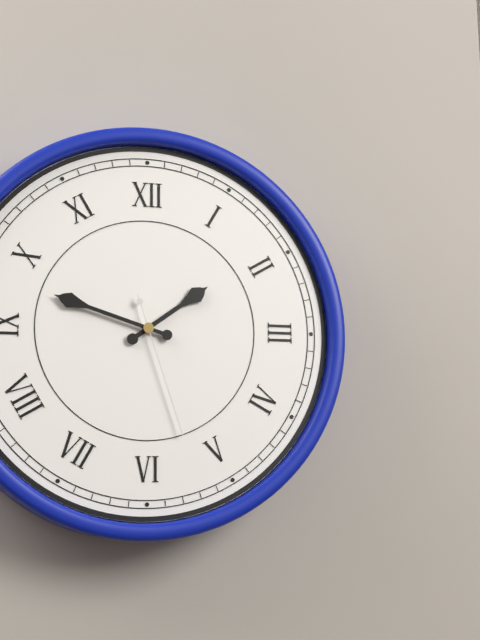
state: 1:48:27
